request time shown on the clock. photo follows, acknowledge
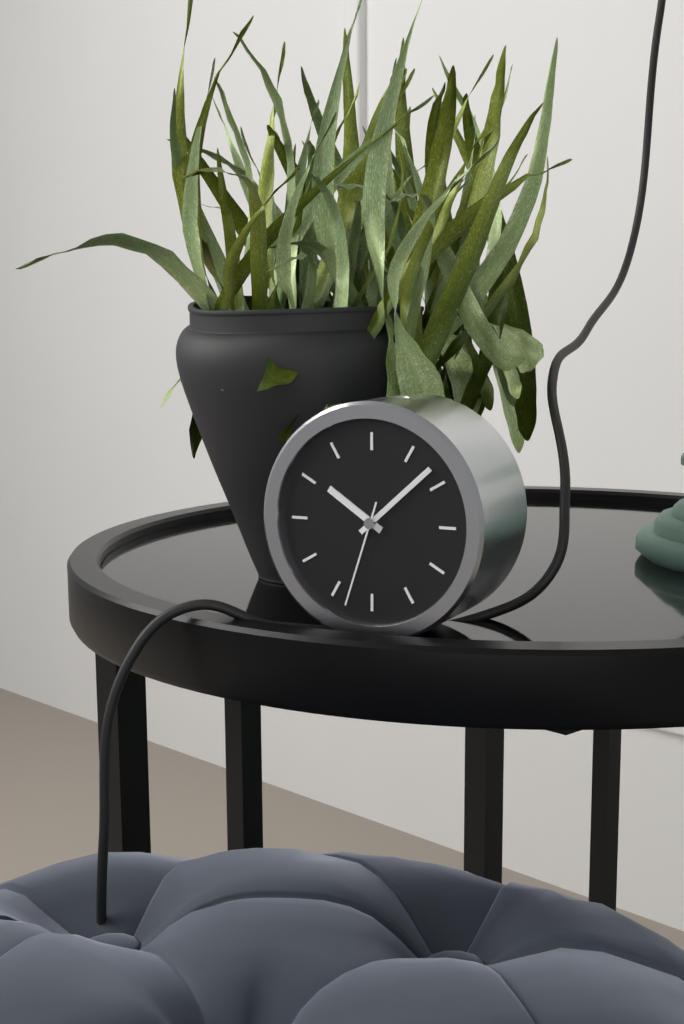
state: 10:08:33
